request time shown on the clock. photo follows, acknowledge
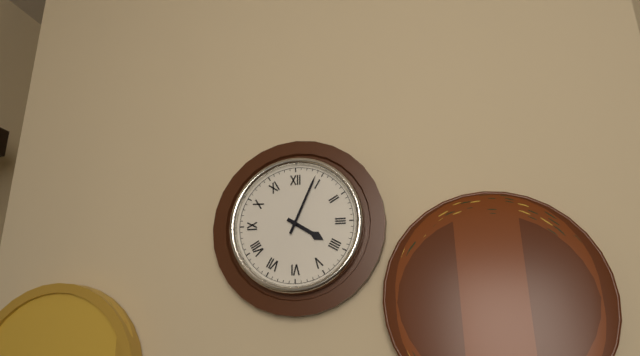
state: 4:04
